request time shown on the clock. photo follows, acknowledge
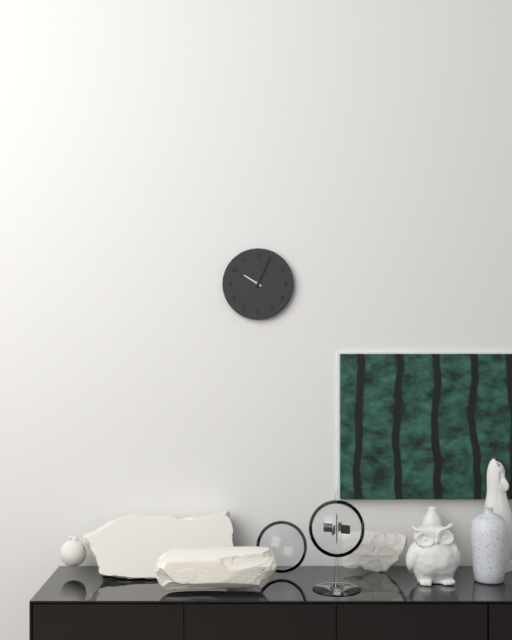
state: 10:04
